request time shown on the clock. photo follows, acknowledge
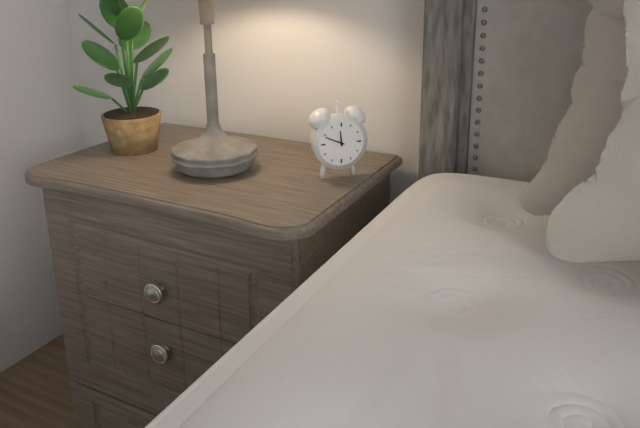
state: 11:49
